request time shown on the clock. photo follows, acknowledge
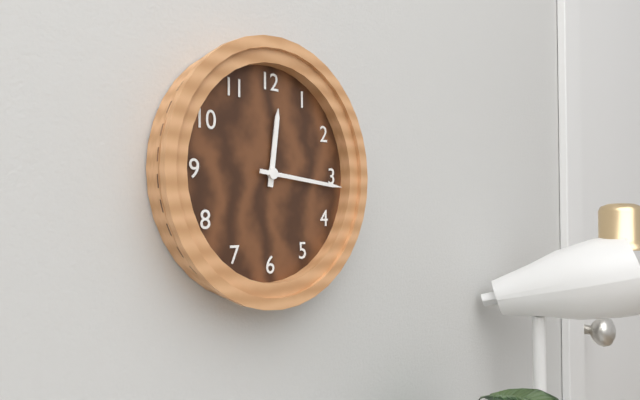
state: 12:16
